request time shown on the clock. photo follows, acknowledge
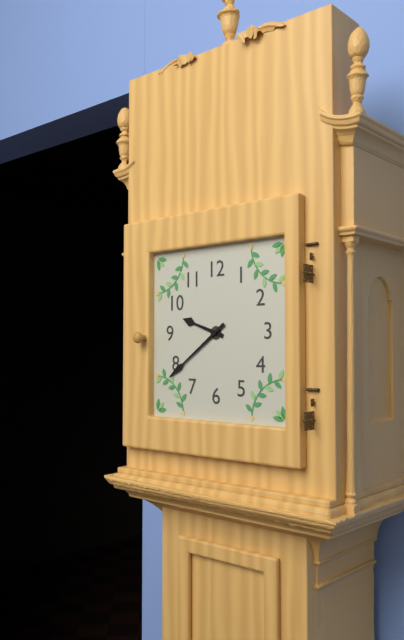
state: 9:39
